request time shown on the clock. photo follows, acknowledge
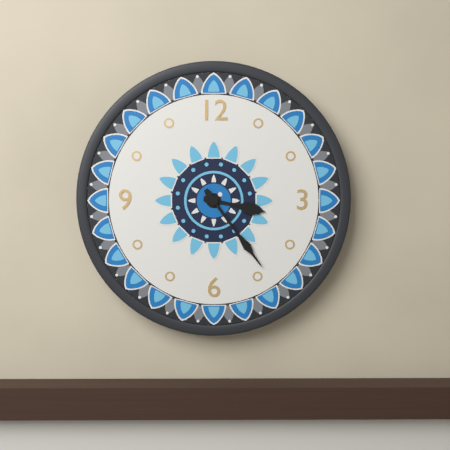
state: 3:24
